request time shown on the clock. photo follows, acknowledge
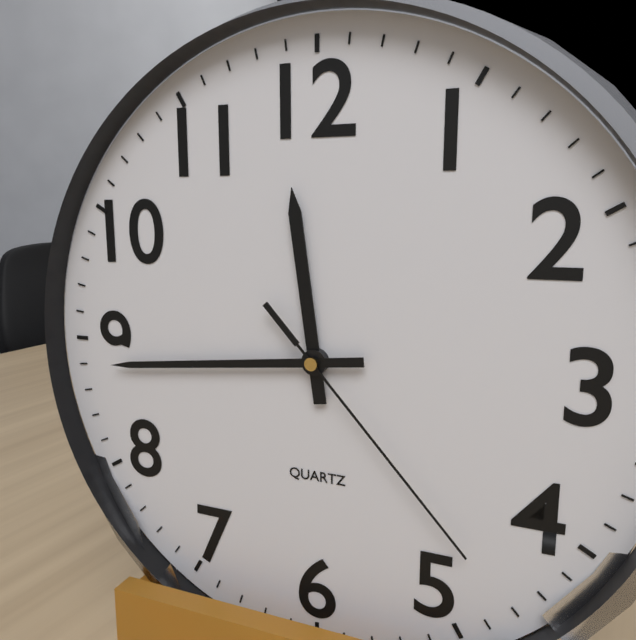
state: 11:44:23
